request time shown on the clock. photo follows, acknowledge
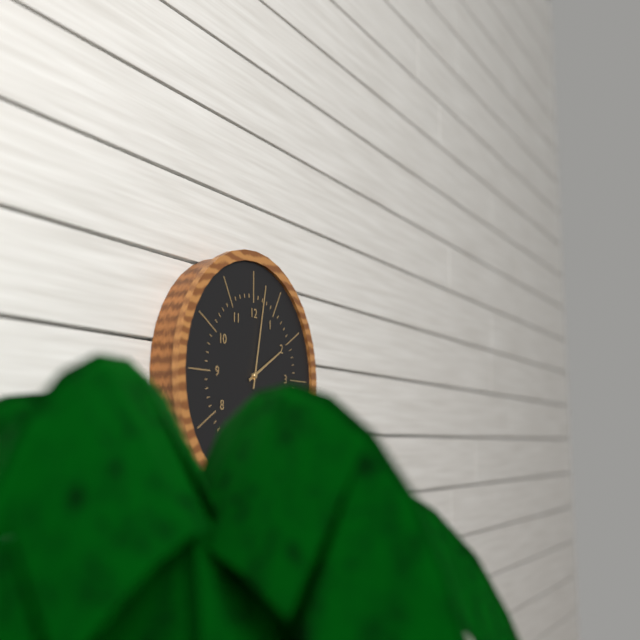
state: 2:02
